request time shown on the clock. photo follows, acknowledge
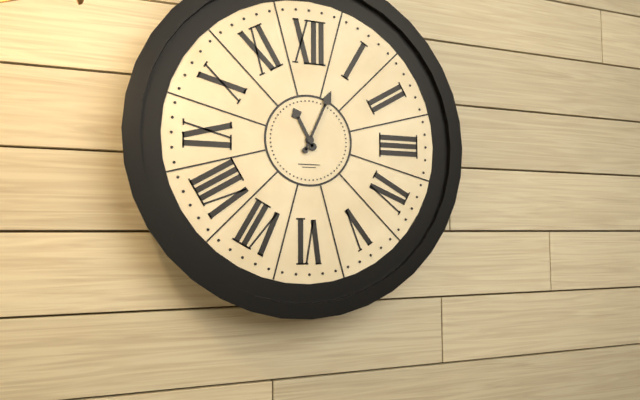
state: 11:04
